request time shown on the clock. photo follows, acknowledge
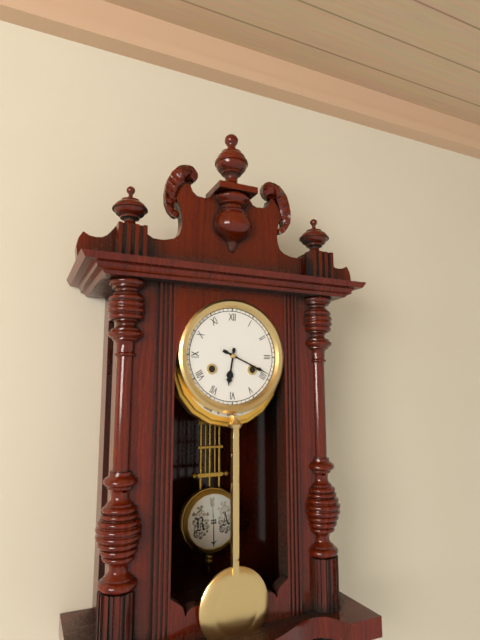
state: 6:19
